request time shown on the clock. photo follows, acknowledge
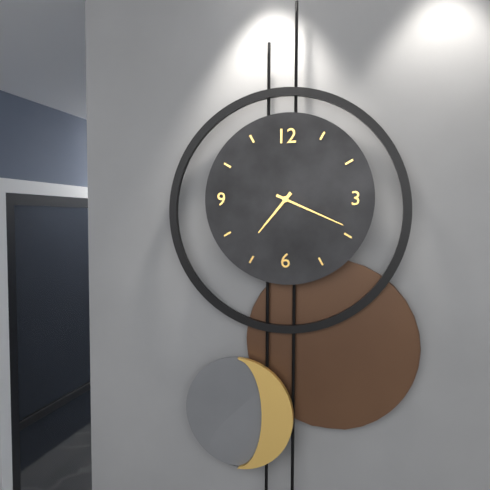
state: 7:19
